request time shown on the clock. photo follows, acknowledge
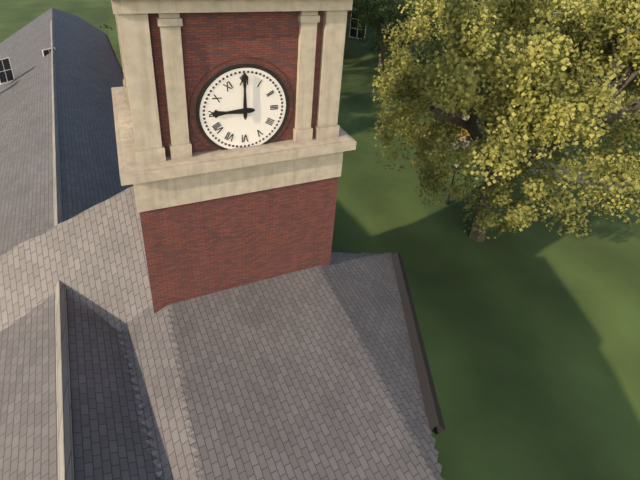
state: 9:00
